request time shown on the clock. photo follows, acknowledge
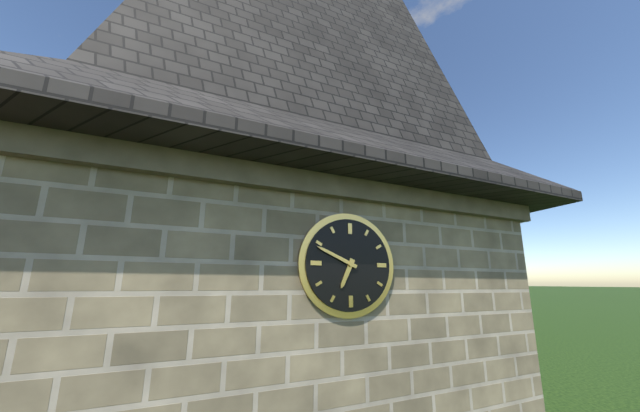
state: 6:49
